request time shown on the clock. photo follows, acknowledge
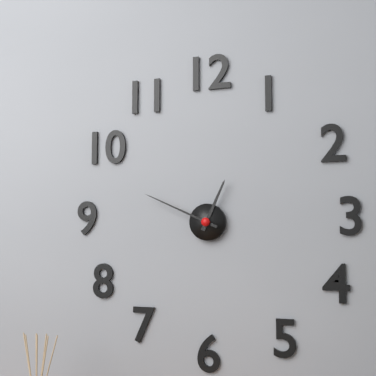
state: 12:49
